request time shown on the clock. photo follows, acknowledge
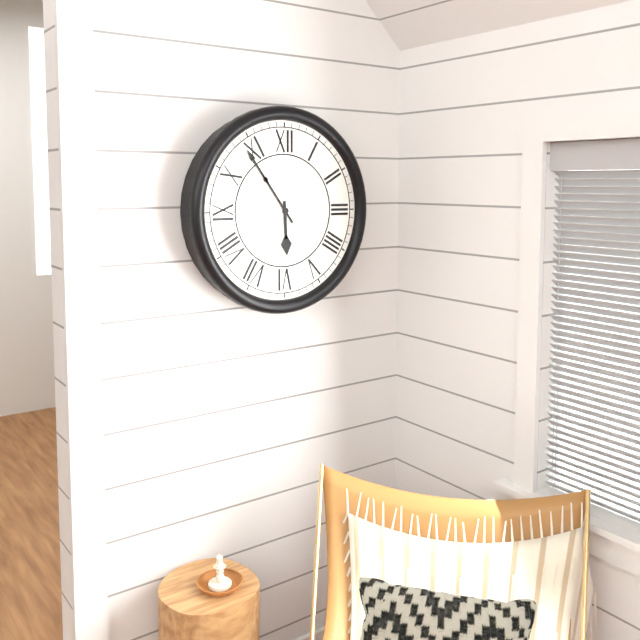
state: 5:54
